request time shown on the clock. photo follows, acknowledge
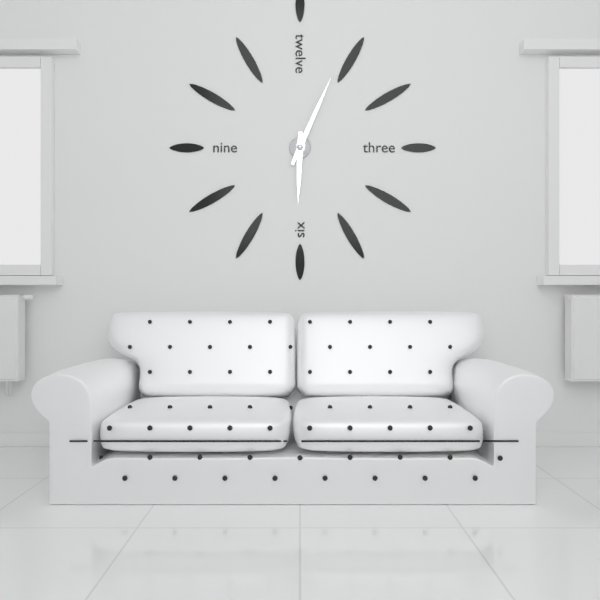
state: 6:04
